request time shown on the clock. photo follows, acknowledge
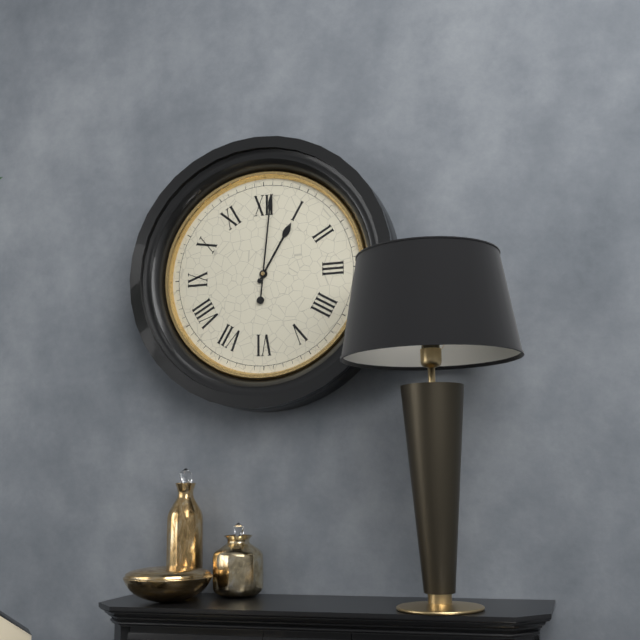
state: 1:01
